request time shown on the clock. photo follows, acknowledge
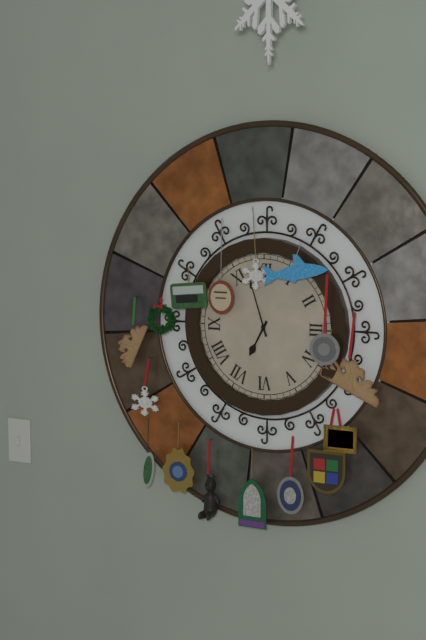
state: 6:57
